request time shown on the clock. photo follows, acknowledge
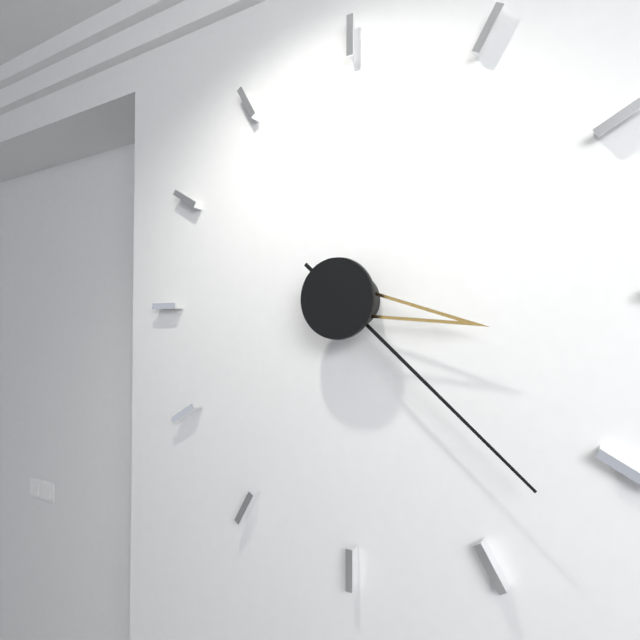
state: 3:22
